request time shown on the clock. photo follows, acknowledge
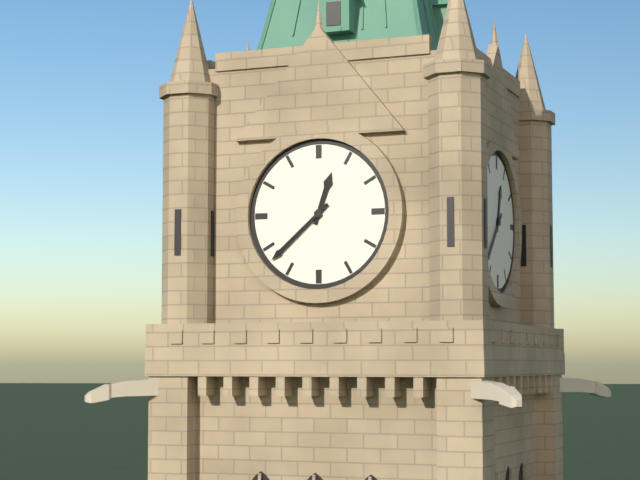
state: 12:38
